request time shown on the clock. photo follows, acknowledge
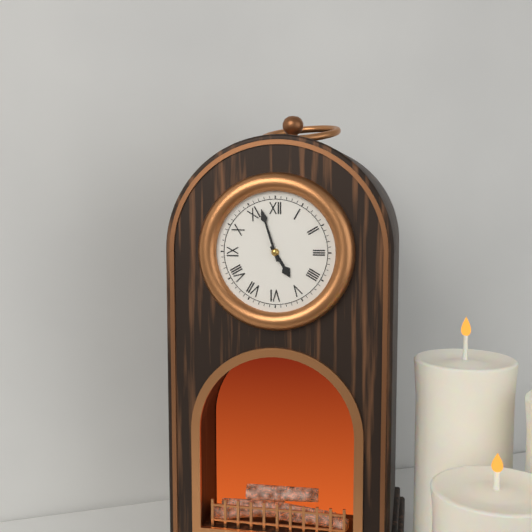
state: 4:57
